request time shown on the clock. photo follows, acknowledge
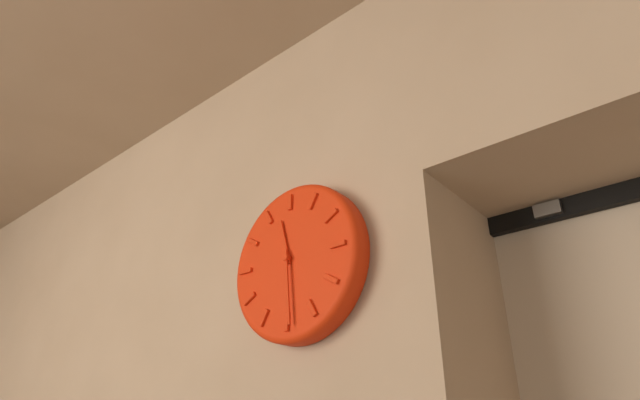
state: 11:29
